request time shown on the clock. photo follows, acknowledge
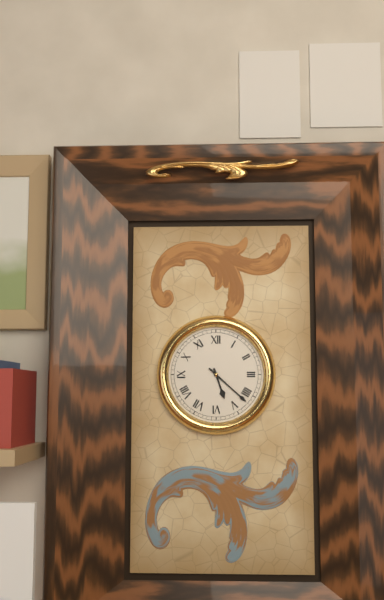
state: 5:22
